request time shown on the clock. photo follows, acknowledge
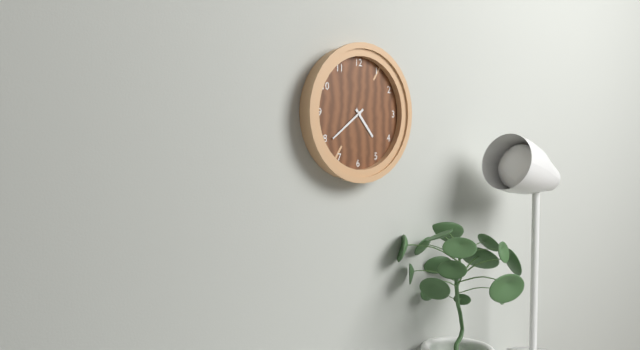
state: 4:39
